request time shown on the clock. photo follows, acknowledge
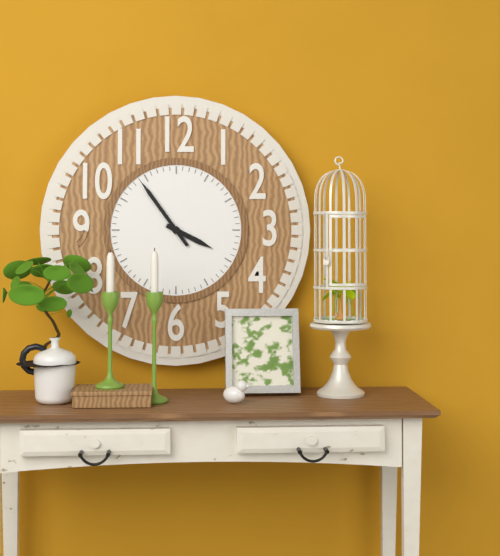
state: 3:54
